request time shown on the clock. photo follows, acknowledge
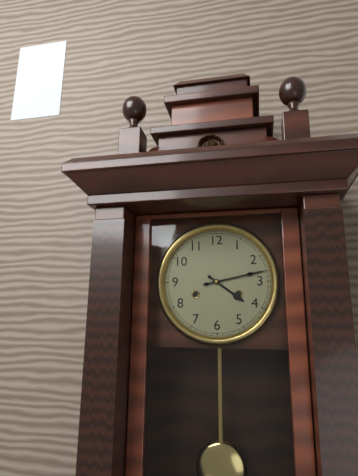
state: 4:13
